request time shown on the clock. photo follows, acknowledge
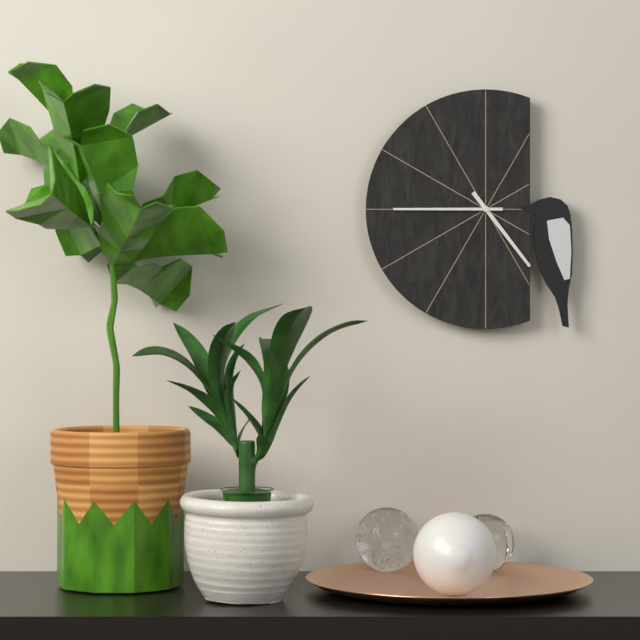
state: 4:45
